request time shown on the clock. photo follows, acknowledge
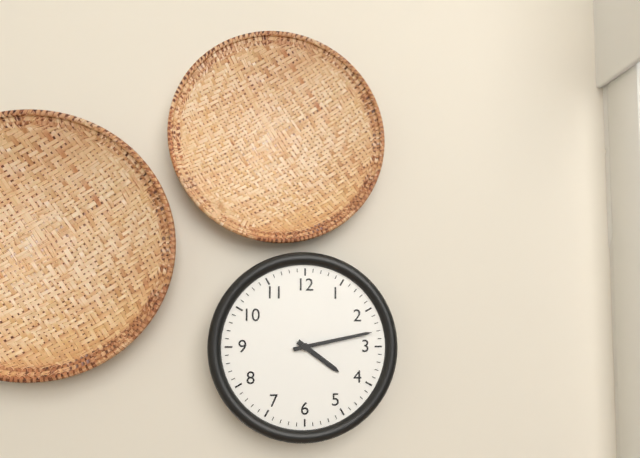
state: 4:13
